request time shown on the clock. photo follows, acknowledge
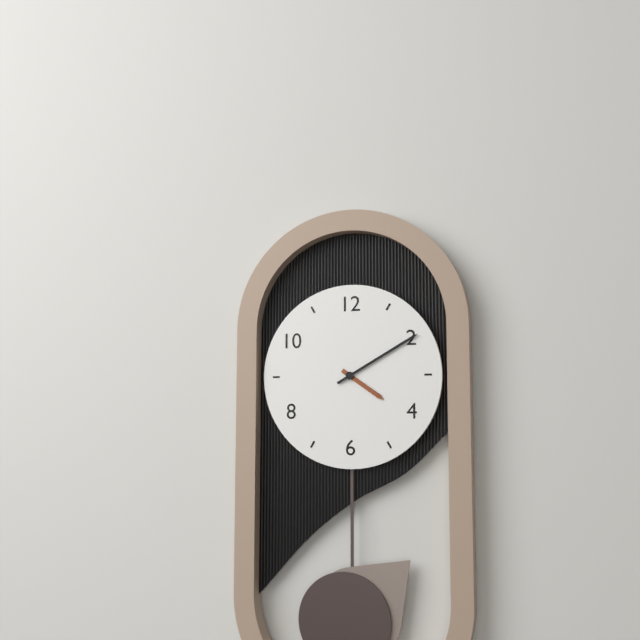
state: 4:10
